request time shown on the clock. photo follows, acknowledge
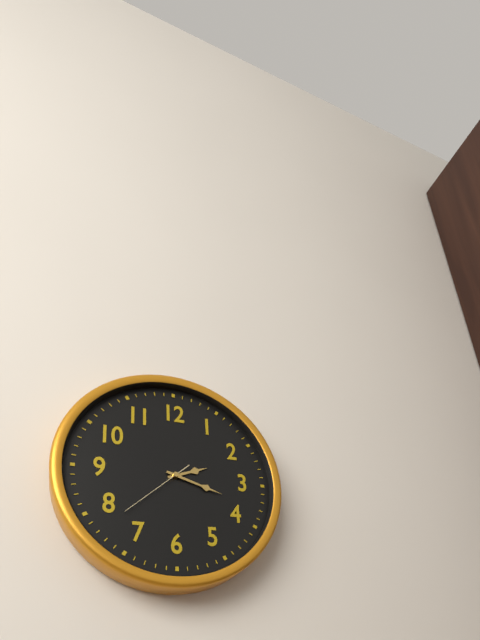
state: 2:18:38
